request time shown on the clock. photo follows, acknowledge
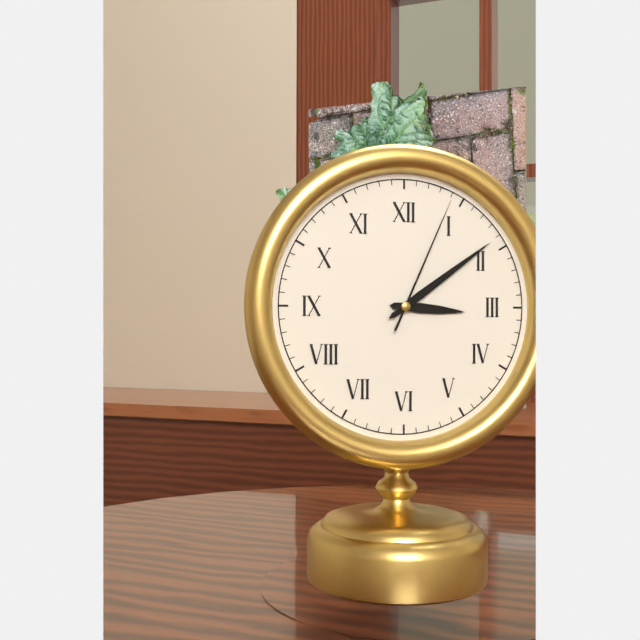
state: 3:09:04
